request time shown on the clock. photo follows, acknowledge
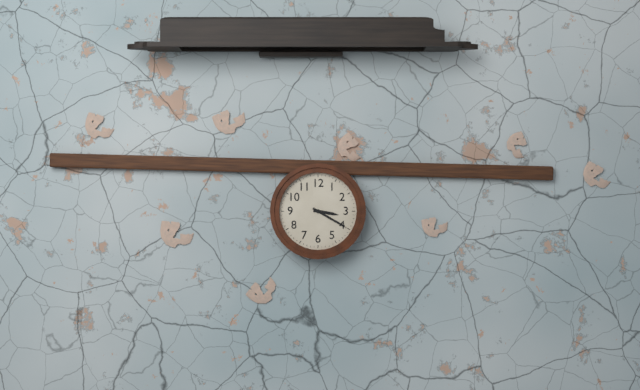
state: 3:20
